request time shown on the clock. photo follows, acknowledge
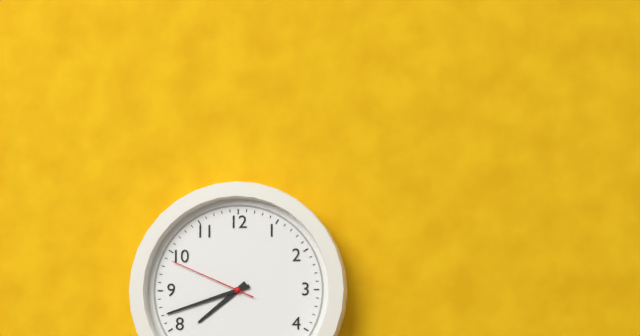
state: 7:42:49
